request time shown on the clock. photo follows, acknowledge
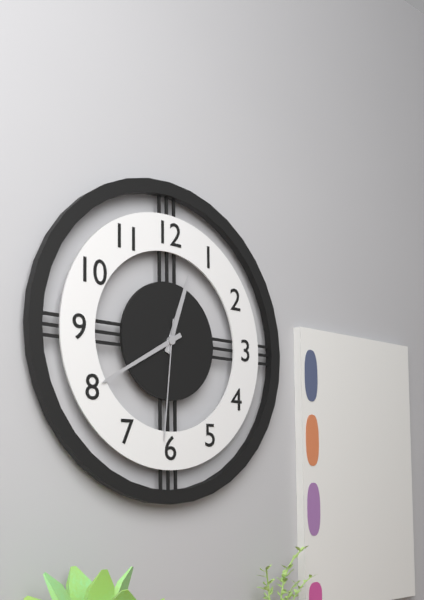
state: 12:40:31
